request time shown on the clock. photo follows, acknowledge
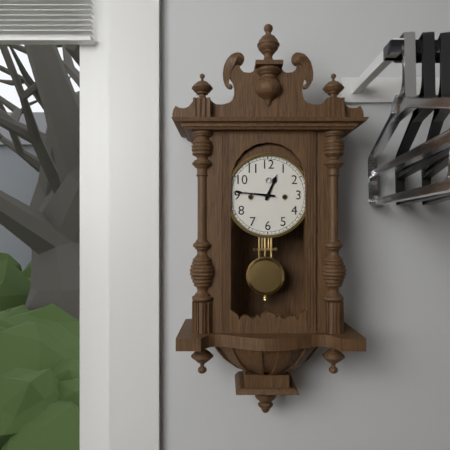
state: 12:46
